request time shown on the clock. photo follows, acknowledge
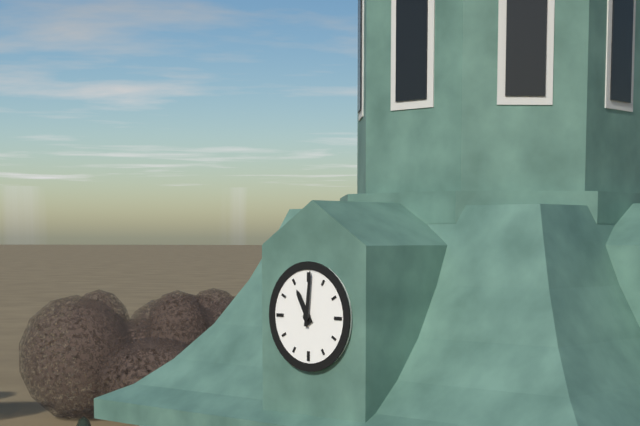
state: 11:01
